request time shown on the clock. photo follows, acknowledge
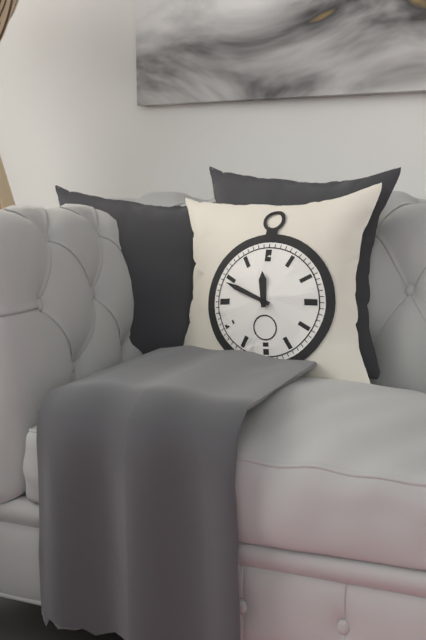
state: 11:49
